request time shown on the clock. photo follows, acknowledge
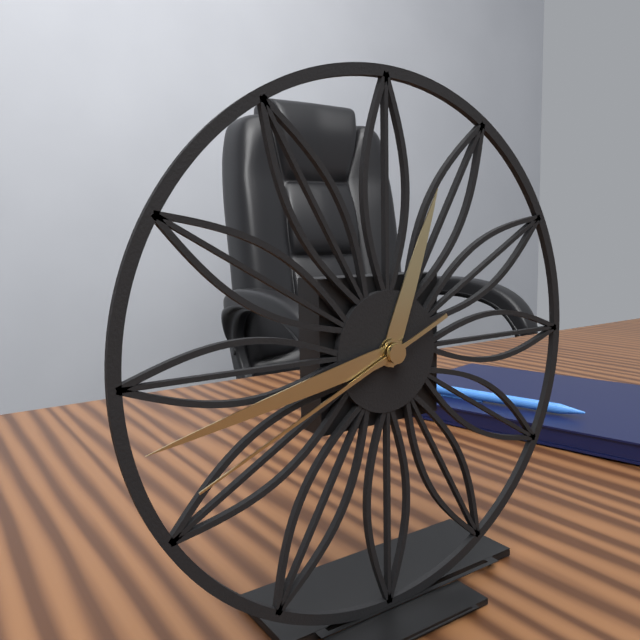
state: 12:43:41
